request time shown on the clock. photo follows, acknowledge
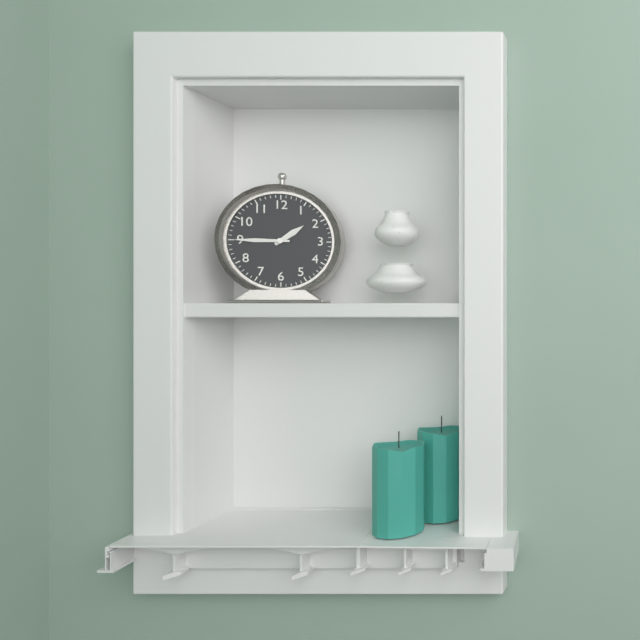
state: 1:45
